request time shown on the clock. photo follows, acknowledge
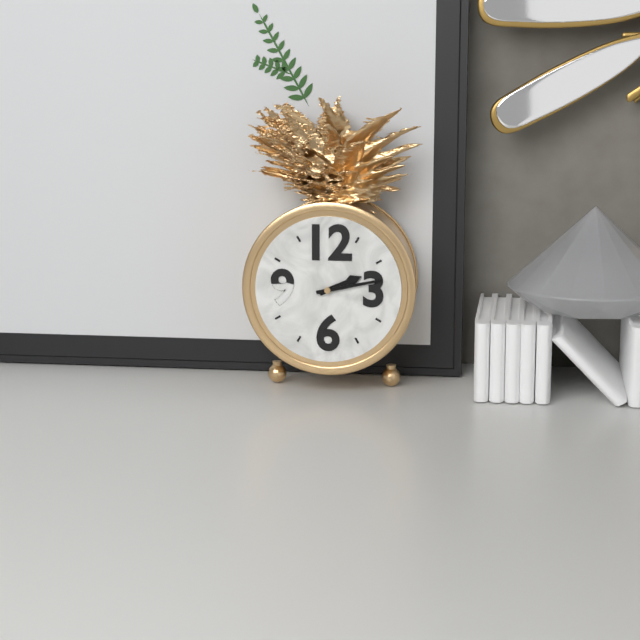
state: 2:13
